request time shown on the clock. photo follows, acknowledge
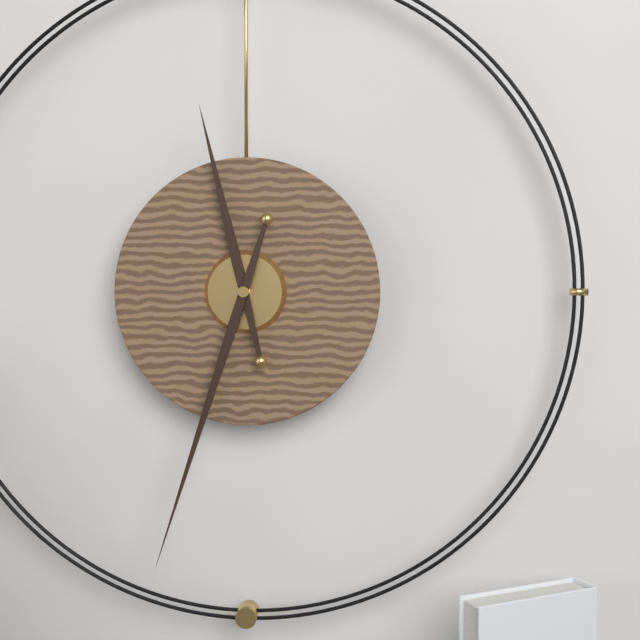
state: 11:33
